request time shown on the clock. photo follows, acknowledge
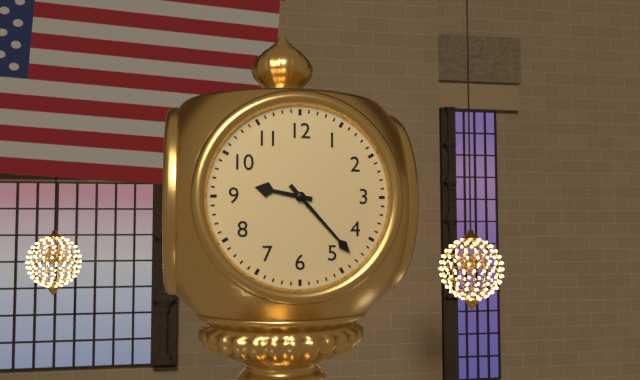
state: 9:23
